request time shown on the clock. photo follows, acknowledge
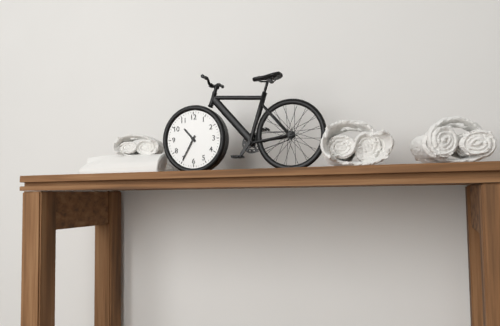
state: 10:35
